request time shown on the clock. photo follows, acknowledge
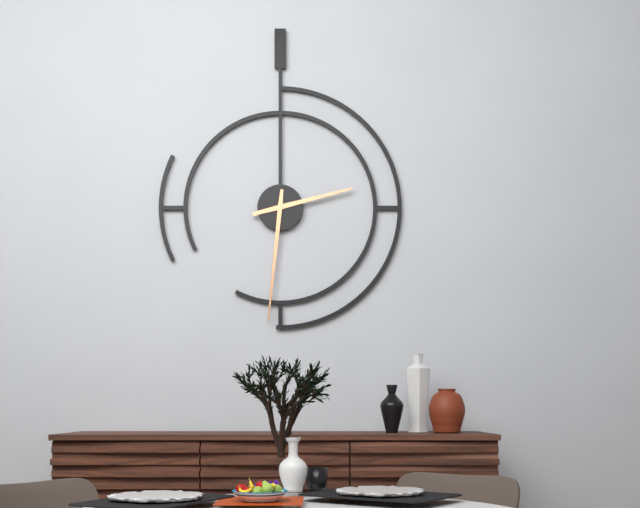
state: 2:31
